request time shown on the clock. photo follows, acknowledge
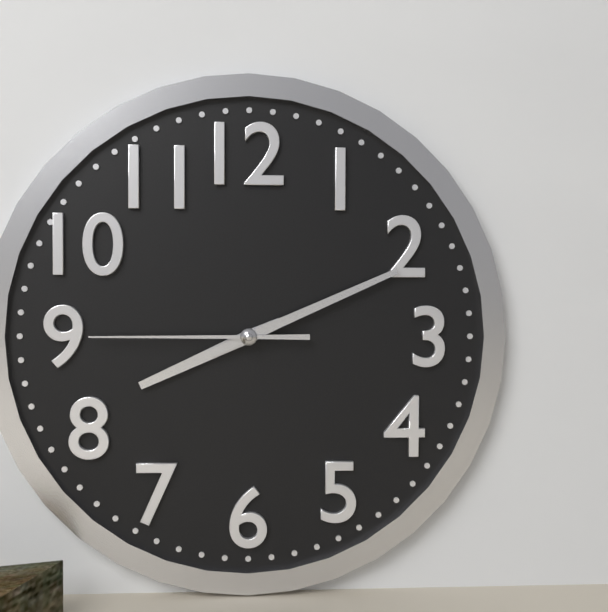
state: 8:11:45
